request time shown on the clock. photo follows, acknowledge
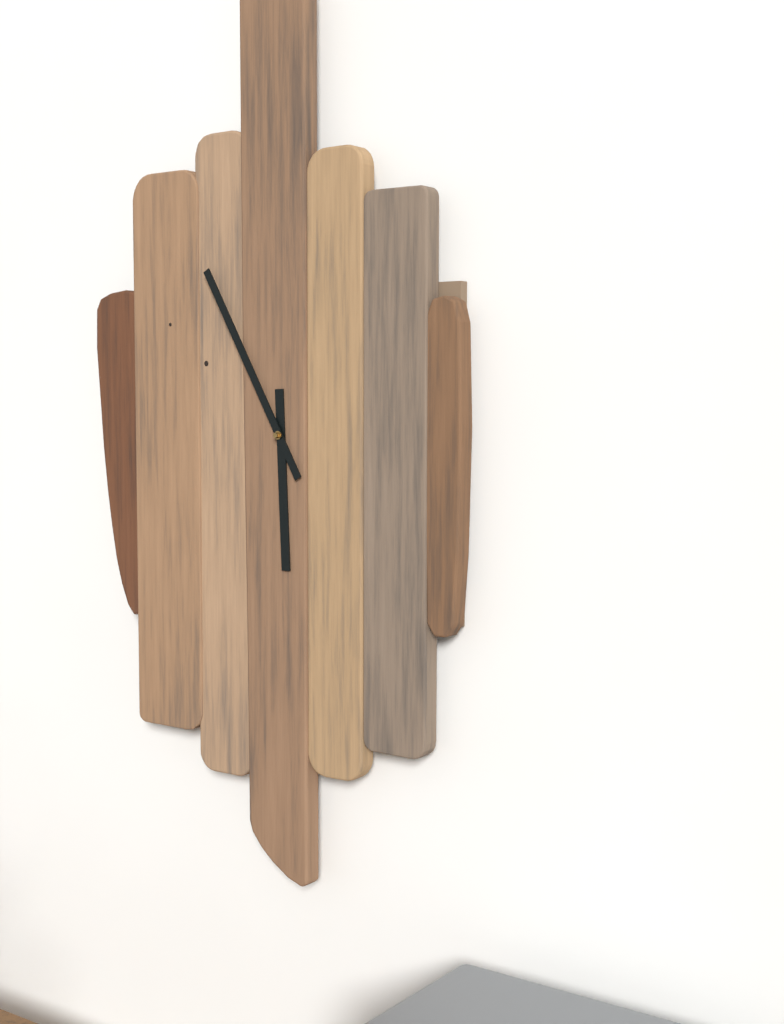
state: 5:55
